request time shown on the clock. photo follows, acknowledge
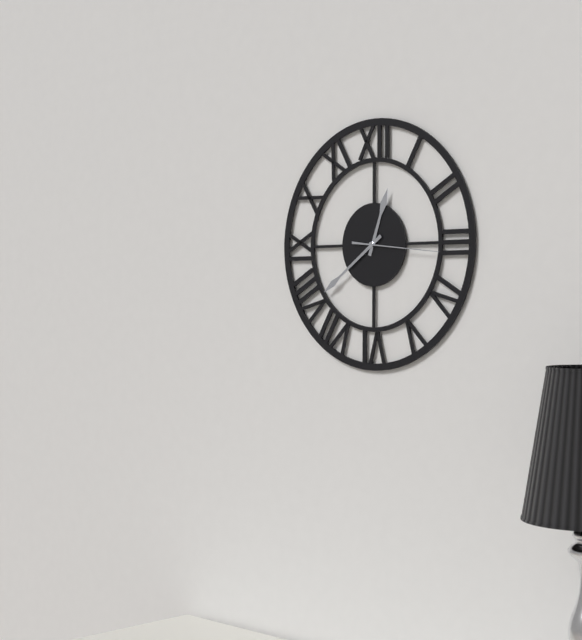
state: 12:39:16
